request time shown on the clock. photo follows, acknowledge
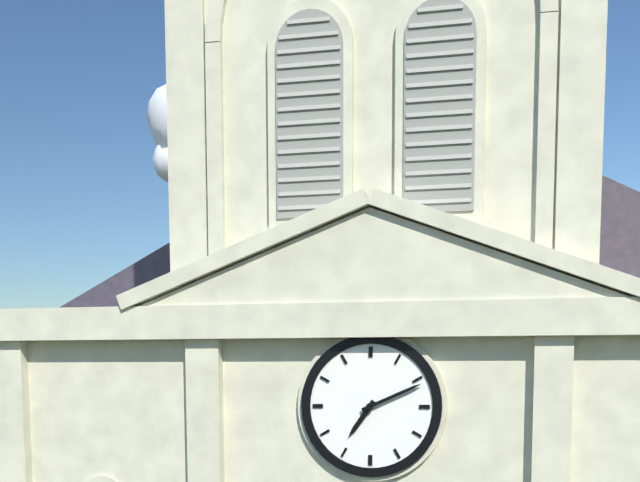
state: 7:11
